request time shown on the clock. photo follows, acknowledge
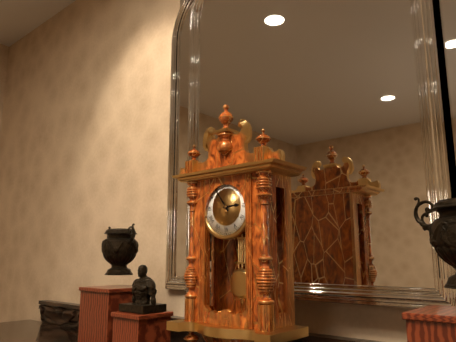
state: 2:54
